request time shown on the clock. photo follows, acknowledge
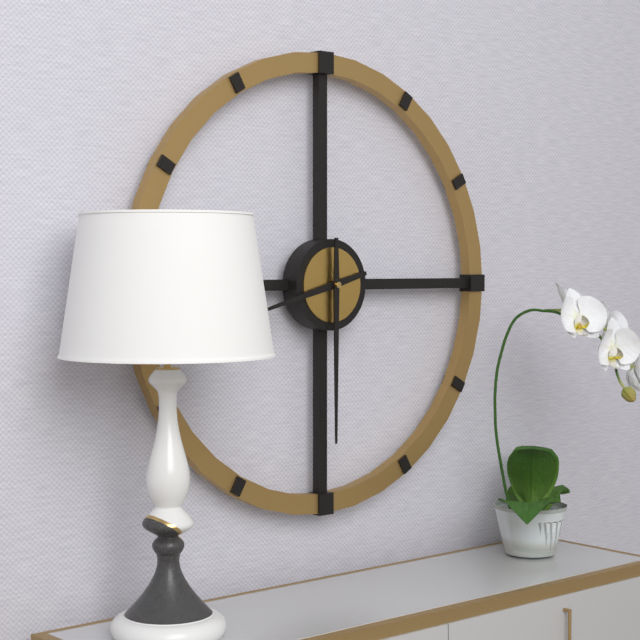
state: 8:30
